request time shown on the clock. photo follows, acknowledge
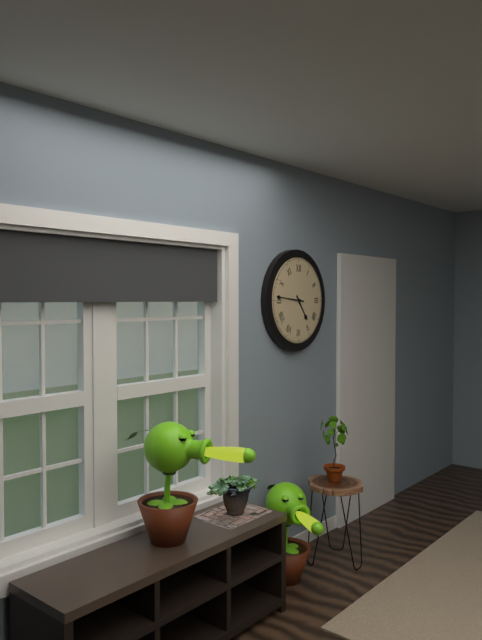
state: 4:46
